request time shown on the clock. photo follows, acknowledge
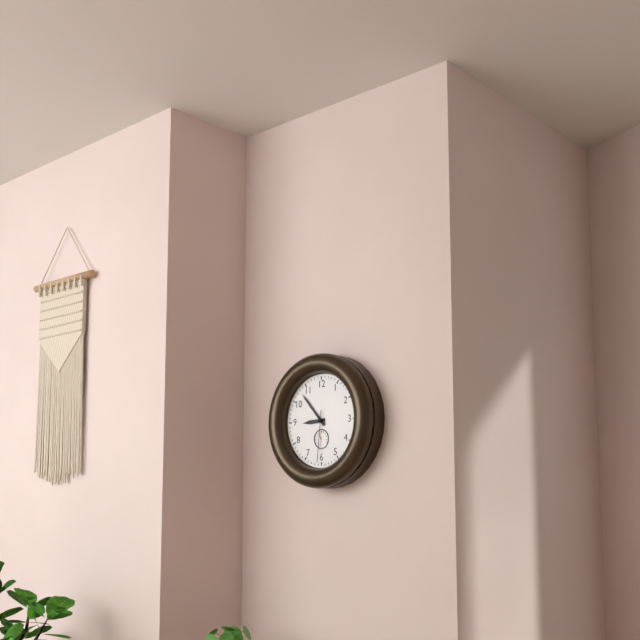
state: 8:53:31
